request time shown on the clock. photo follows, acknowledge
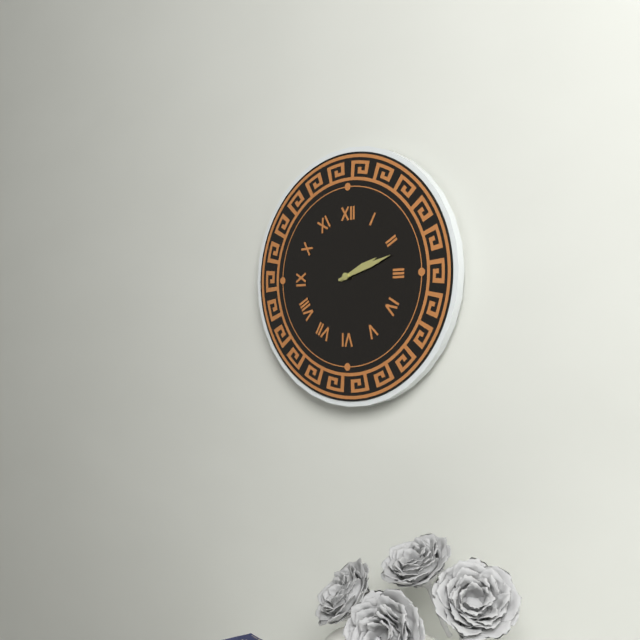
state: 2:12
